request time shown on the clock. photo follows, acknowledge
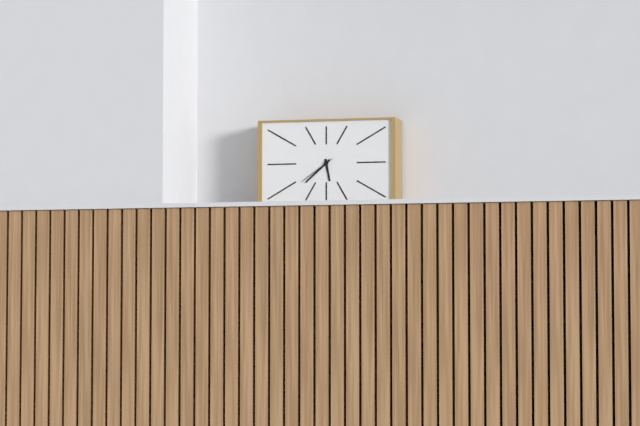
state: 5:38
